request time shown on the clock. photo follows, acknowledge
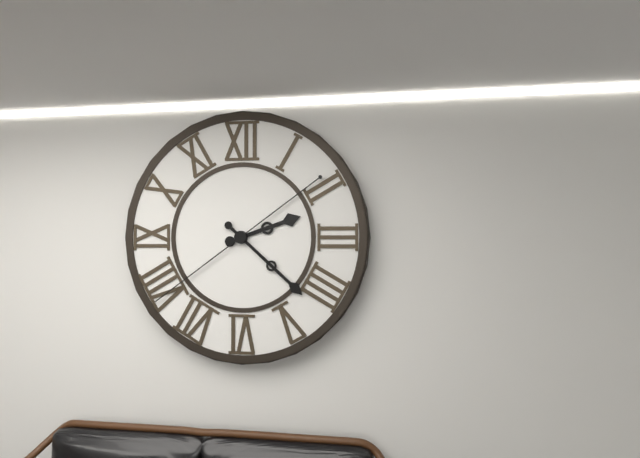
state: 2:22:39
